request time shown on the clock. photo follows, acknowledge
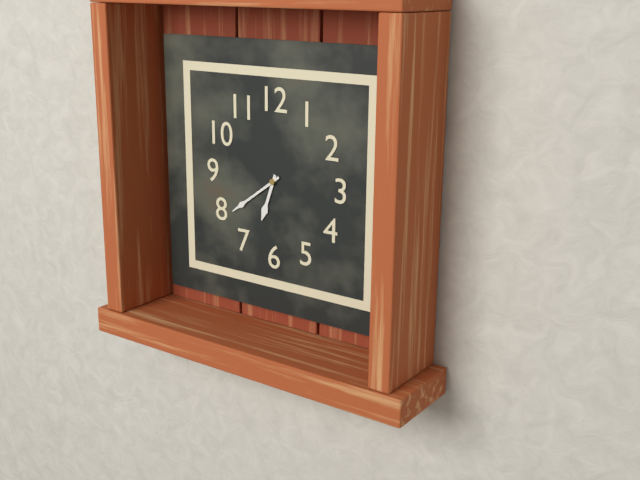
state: 6:39
